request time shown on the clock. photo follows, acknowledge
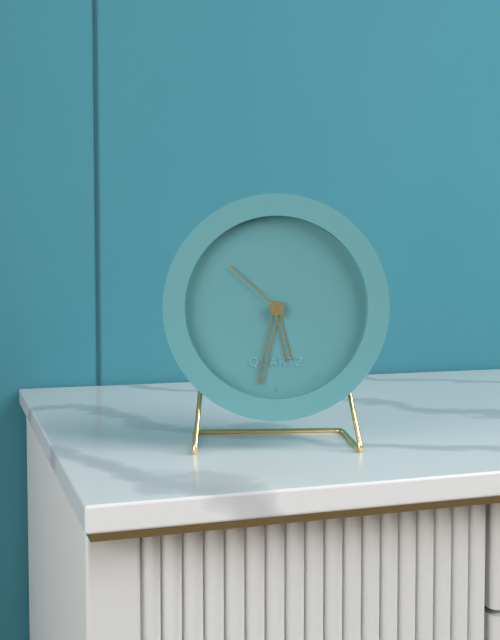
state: 5:32:52
